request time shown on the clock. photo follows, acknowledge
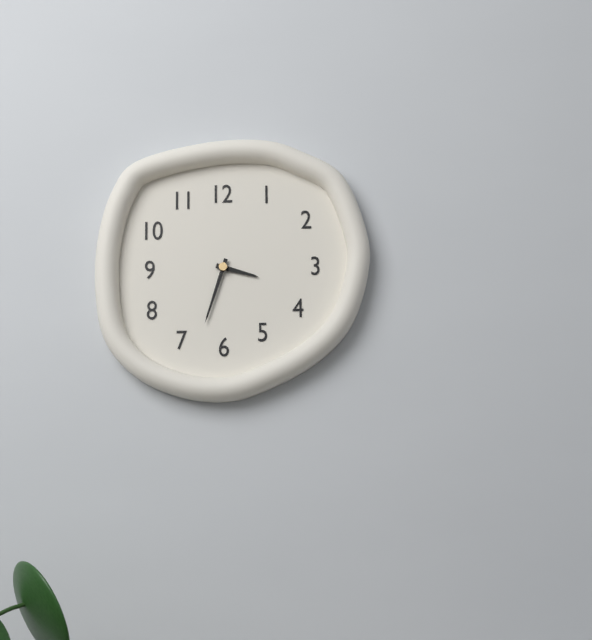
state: 3:33
